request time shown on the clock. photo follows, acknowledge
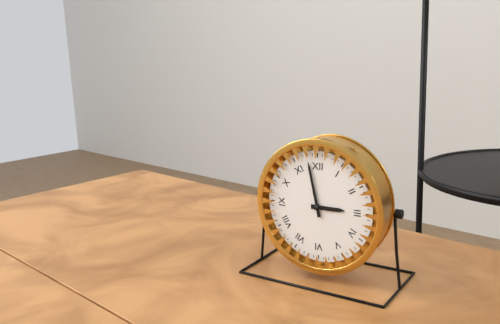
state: 2:58
